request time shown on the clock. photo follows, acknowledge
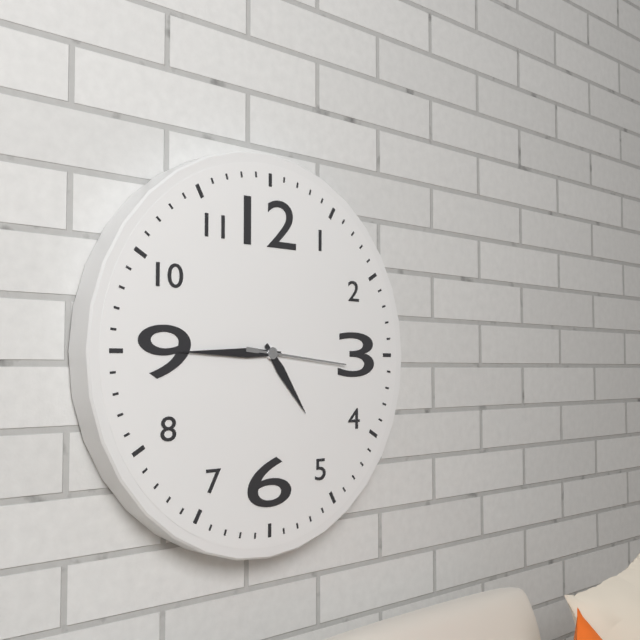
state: 4:45:16
